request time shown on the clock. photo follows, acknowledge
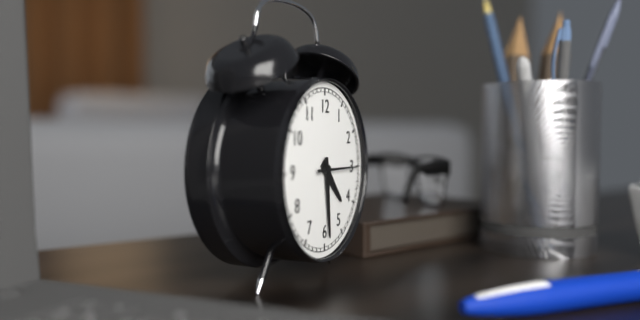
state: 4:29:15
